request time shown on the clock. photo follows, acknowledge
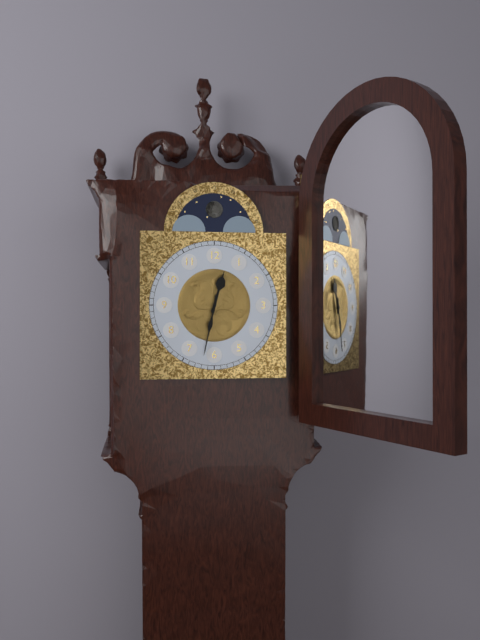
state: 12:32
